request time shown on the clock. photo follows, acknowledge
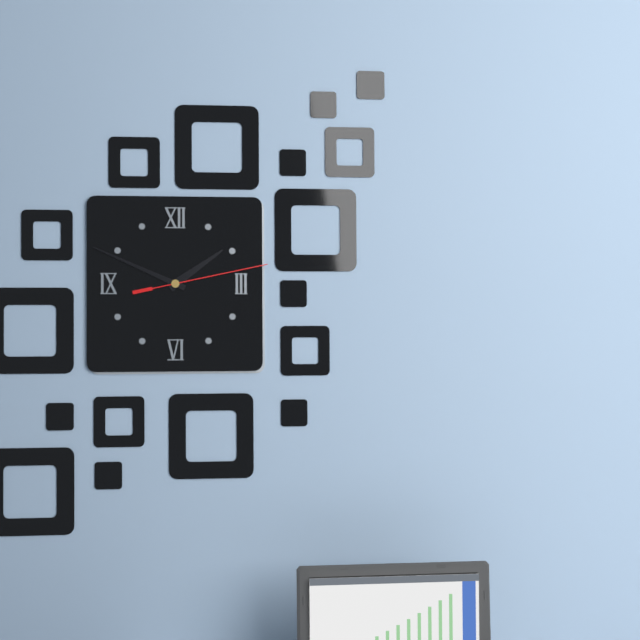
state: 1:49:13
